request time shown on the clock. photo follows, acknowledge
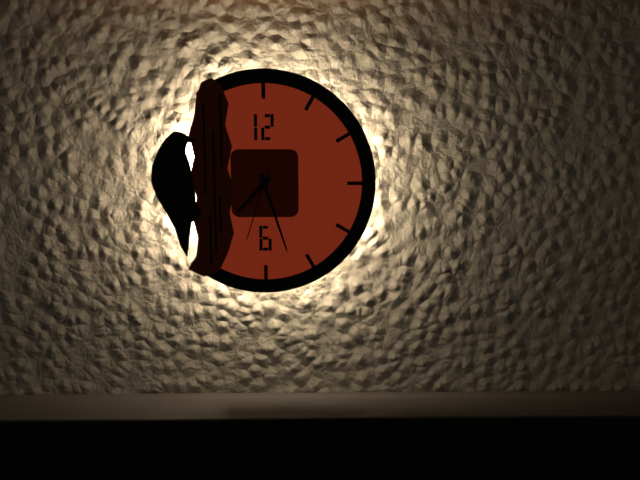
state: 7:27:33
